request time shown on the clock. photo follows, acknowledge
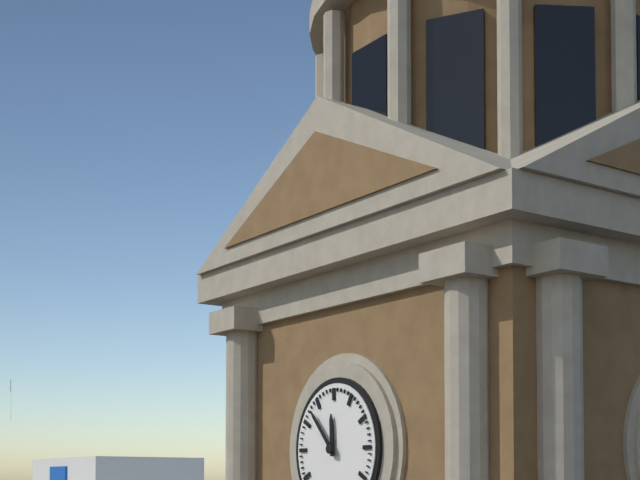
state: 11:53
